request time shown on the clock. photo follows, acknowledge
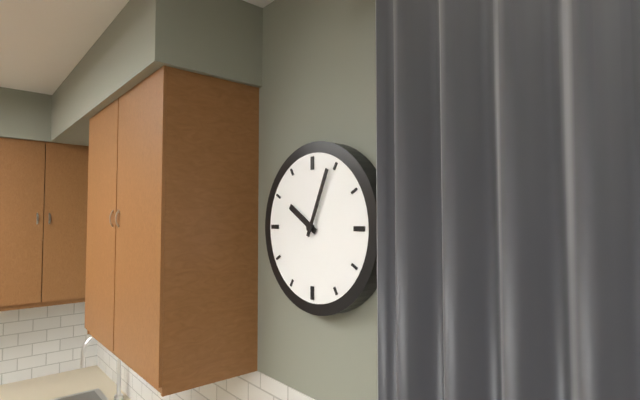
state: 10:04
